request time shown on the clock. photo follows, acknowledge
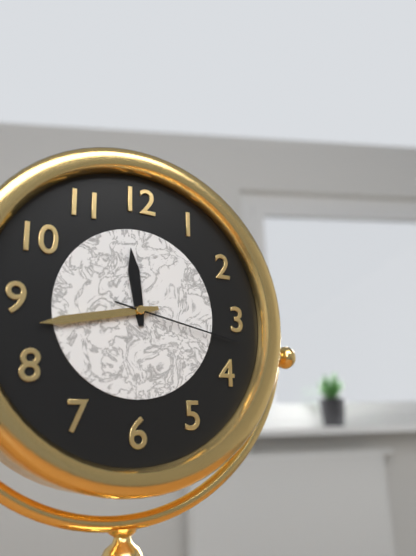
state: 11:43:17
